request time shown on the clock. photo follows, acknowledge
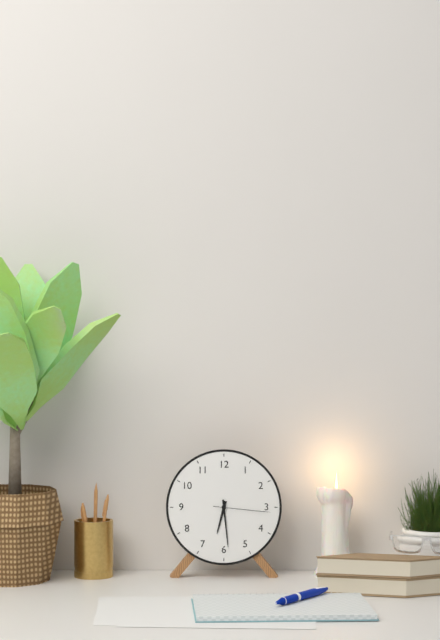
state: 6:29:16
